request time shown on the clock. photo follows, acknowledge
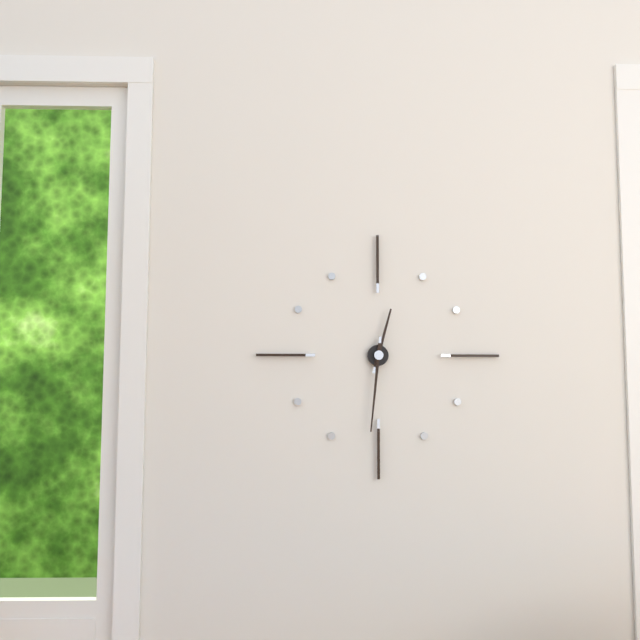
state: 12:31
